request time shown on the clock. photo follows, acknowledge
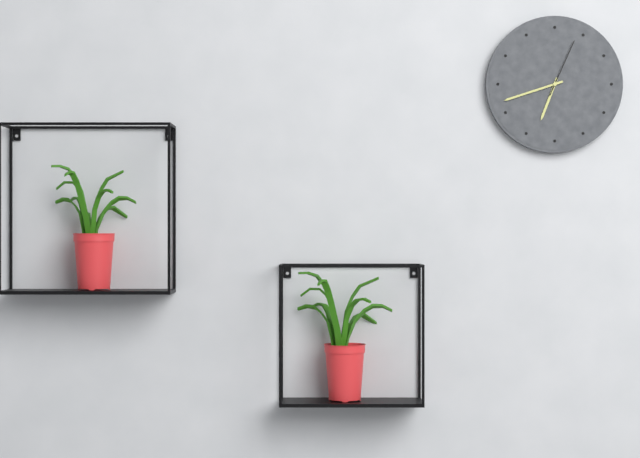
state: 6:42:04
